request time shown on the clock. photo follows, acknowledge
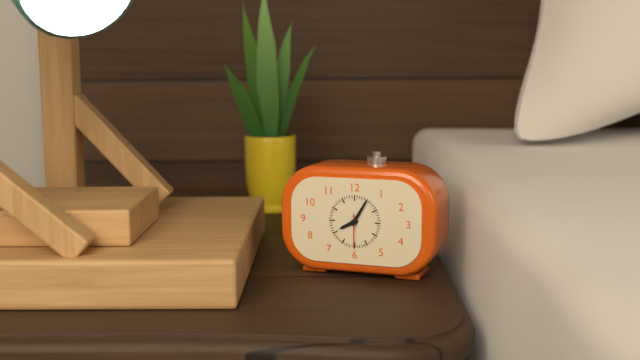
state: 8:05
